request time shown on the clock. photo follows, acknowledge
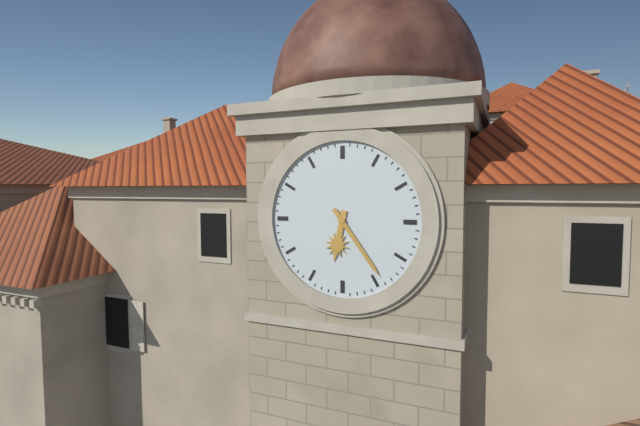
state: 6:24
